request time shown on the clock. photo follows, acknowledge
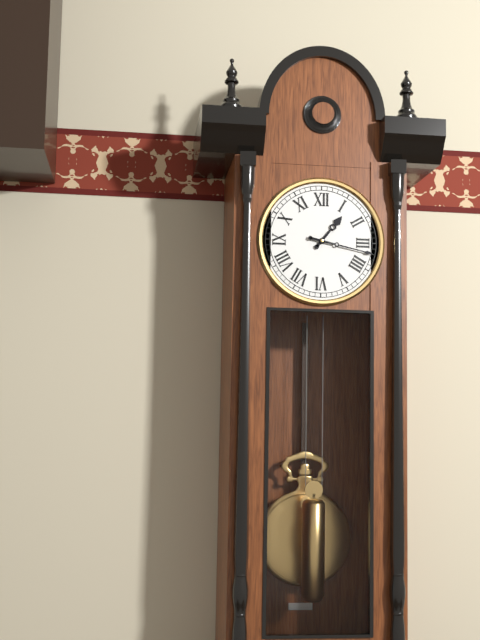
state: 1:17
